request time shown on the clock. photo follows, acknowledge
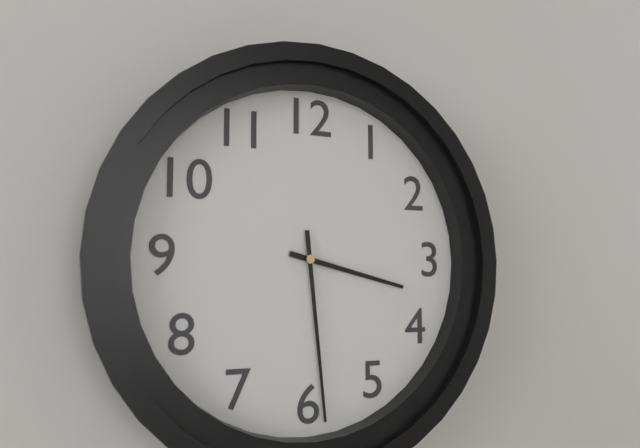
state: 3:29
